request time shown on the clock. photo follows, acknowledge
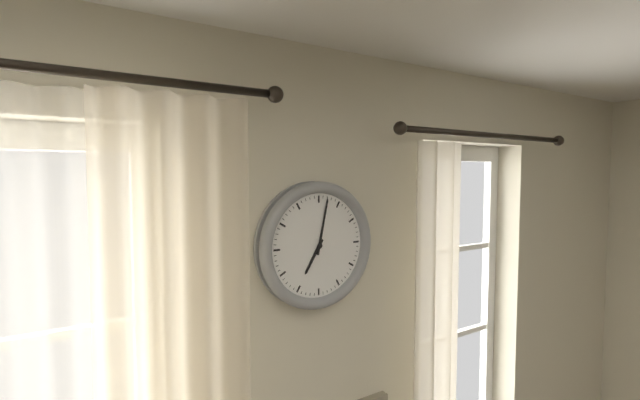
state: 7:02
